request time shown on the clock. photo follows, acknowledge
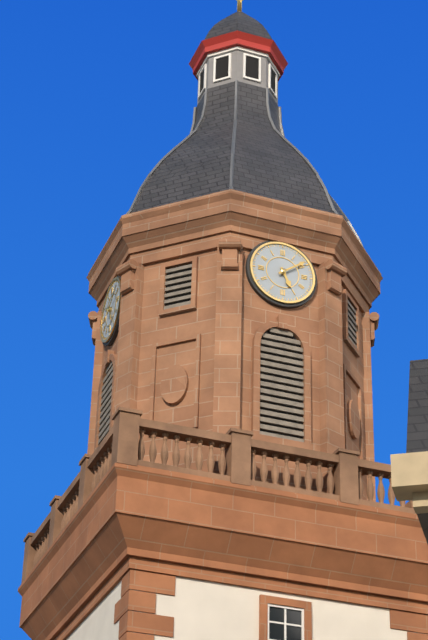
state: 5:09
